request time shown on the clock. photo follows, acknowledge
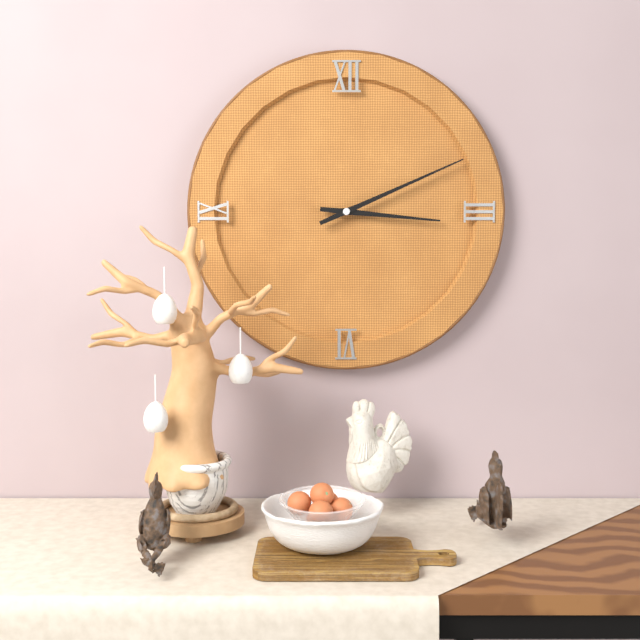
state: 3:11
